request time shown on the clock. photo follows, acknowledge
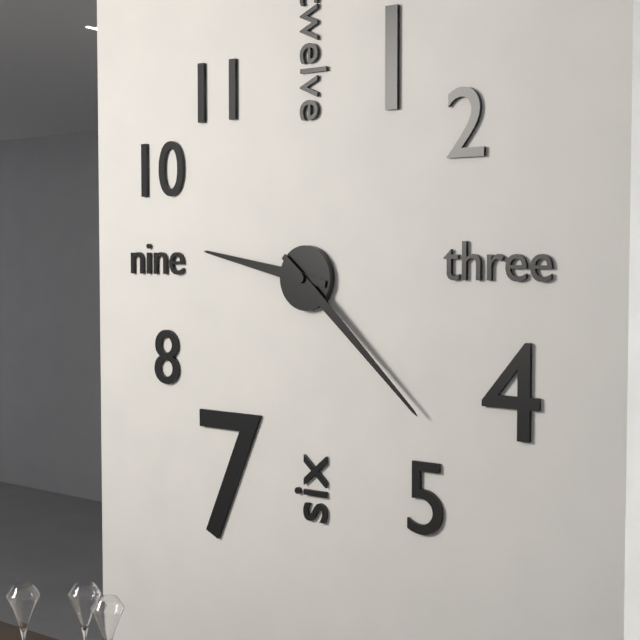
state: 9:22
